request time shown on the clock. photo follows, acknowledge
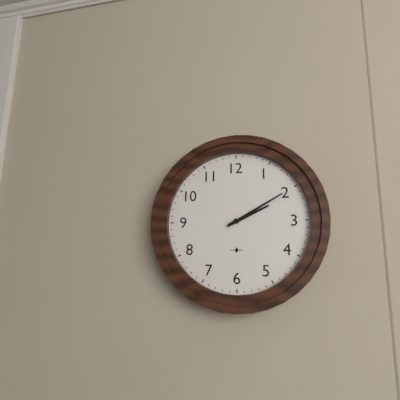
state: 2:10
